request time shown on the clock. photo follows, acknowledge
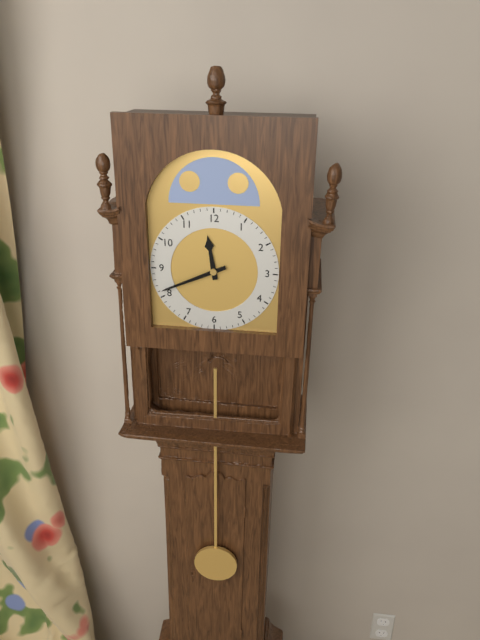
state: 11:41
